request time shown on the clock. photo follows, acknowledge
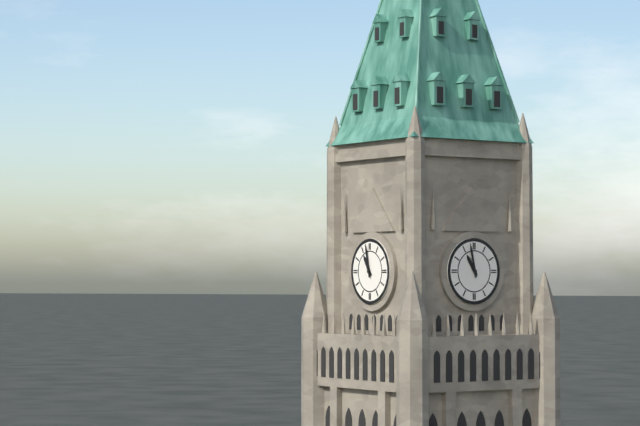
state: 10:58
